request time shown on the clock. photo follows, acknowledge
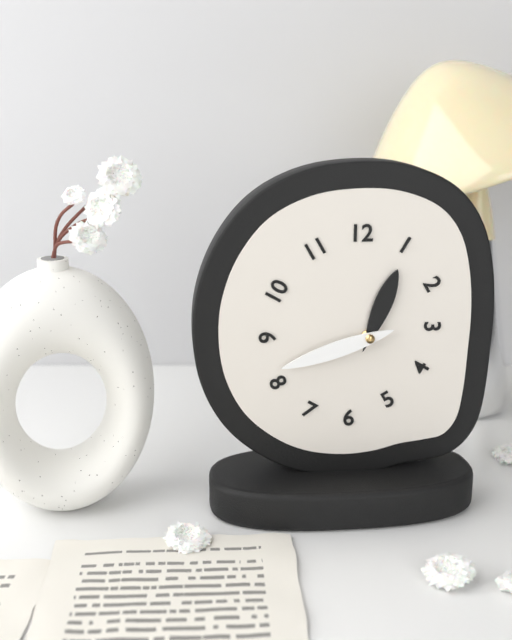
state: 12:42
